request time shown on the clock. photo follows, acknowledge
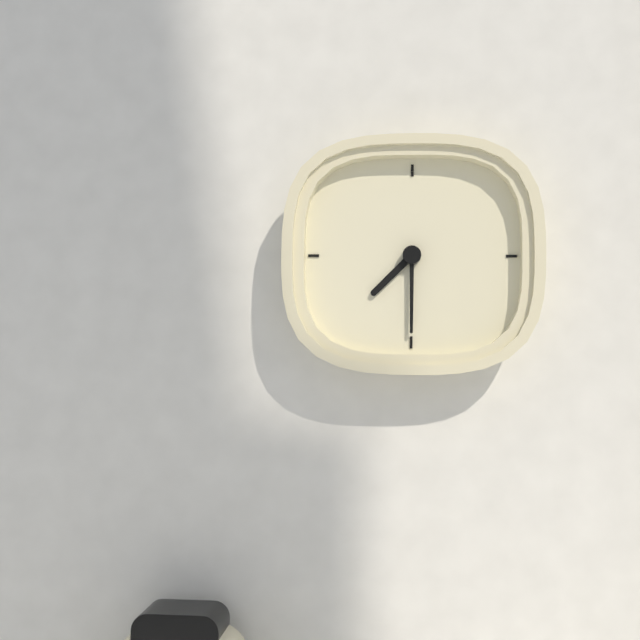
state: 7:30
